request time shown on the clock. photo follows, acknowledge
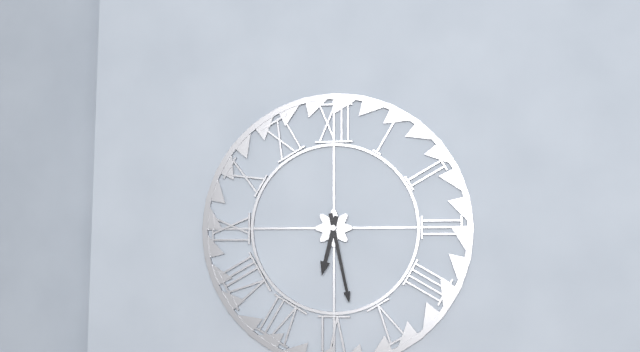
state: 6:28
